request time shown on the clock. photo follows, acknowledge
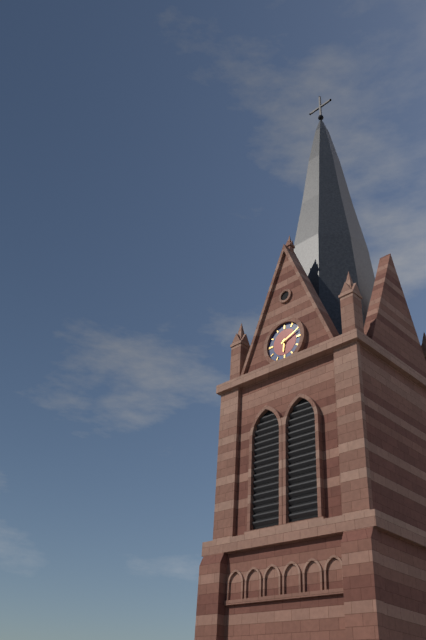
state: 6:11
